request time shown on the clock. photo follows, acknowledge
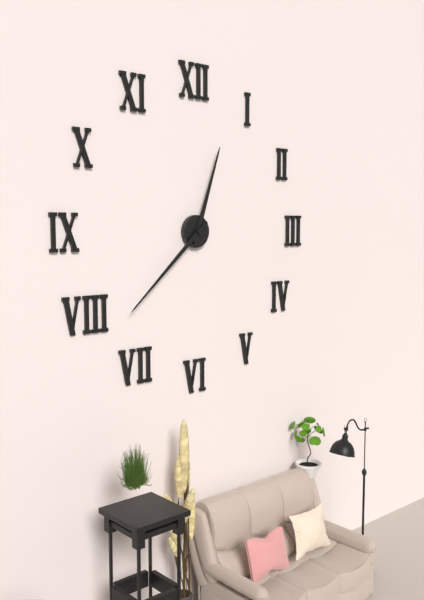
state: 12:38
